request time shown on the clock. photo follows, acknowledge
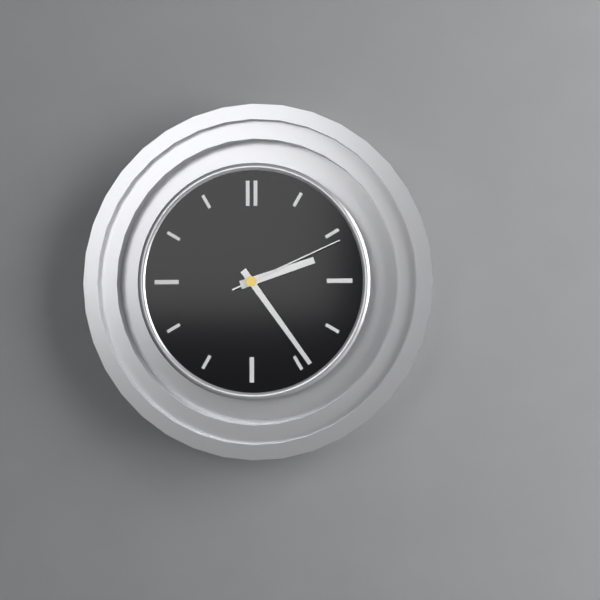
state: 2:24:11
